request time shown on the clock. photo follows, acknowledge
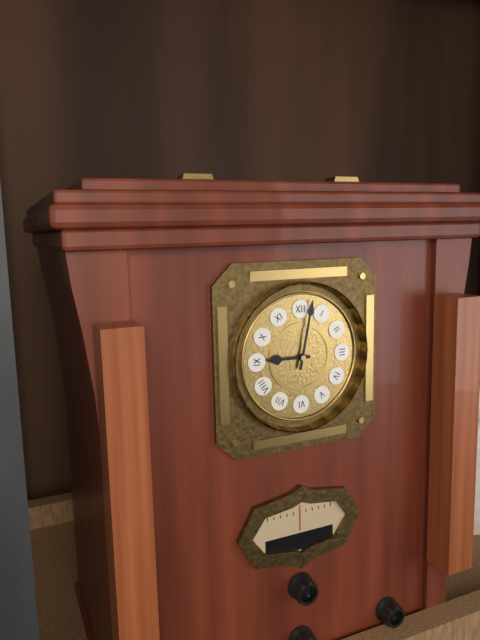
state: 9:02
